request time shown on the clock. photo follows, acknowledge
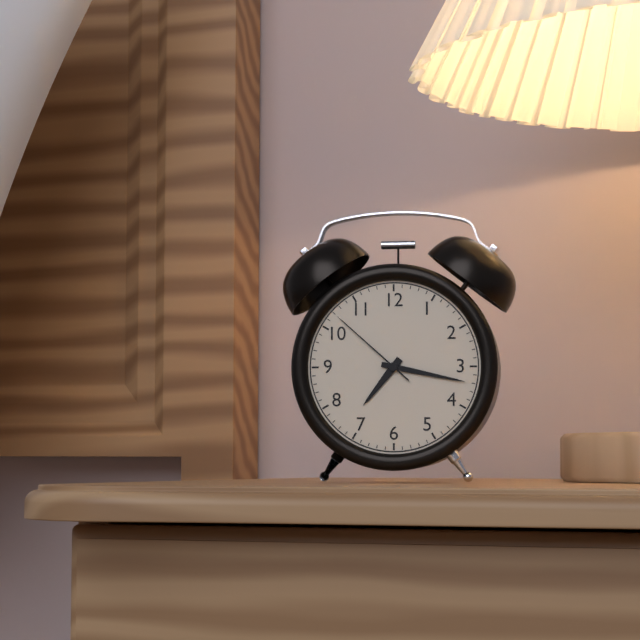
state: 7:17:52
